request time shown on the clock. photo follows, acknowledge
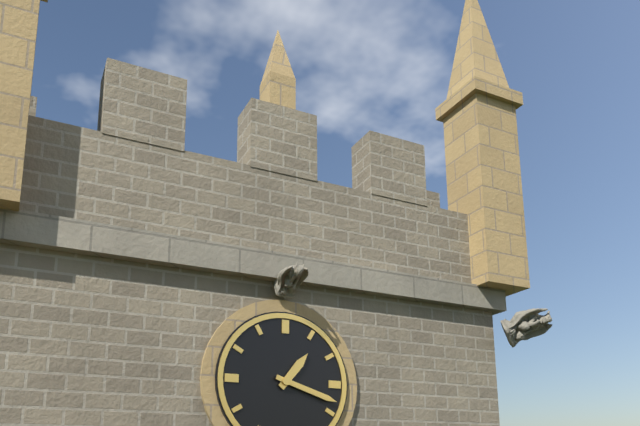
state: 1:18
